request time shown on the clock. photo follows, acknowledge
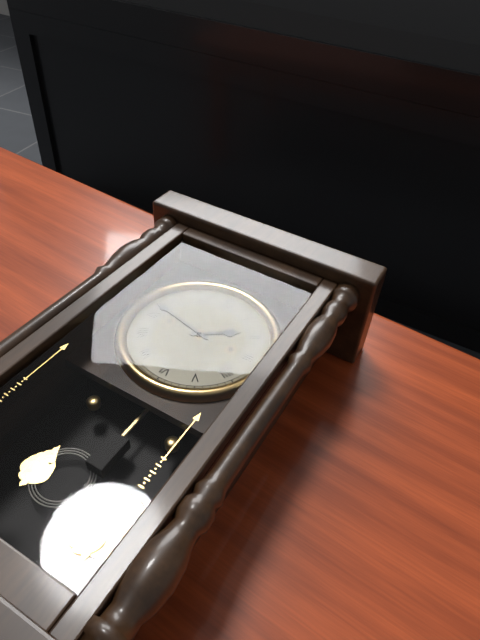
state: 1:47
